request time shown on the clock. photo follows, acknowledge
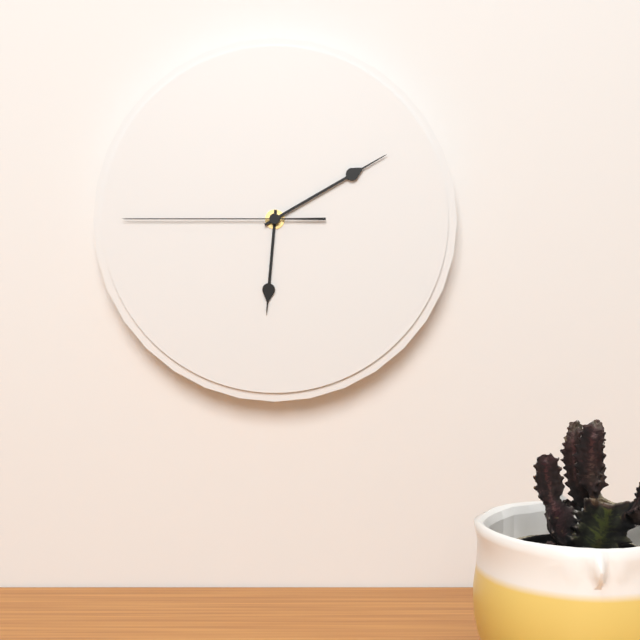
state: 6:10:45
